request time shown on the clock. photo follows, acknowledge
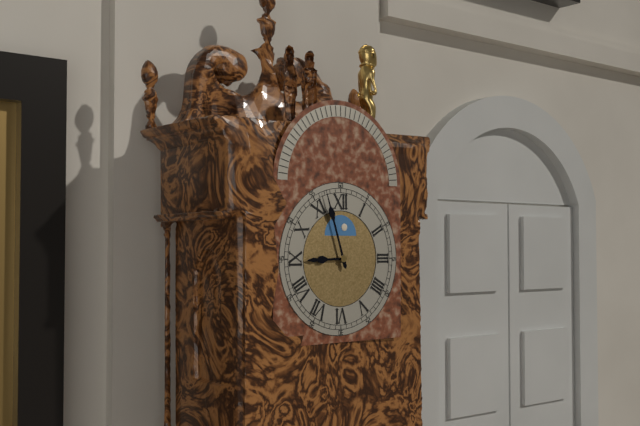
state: 8:57
